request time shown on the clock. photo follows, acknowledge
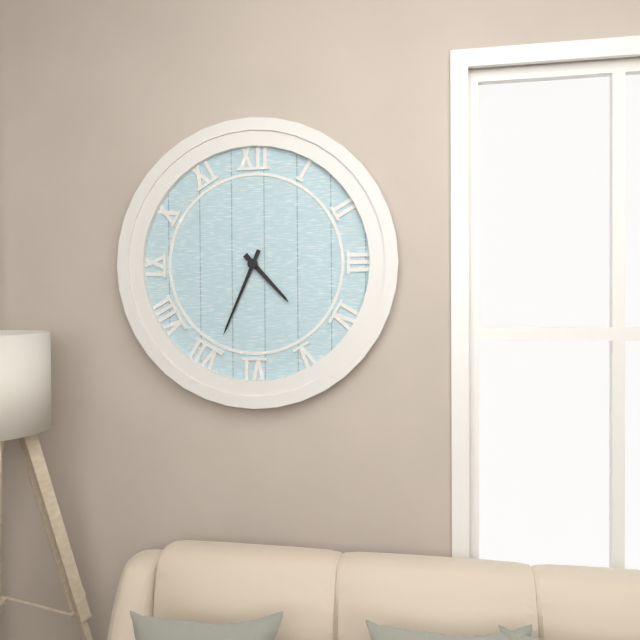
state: 4:34
